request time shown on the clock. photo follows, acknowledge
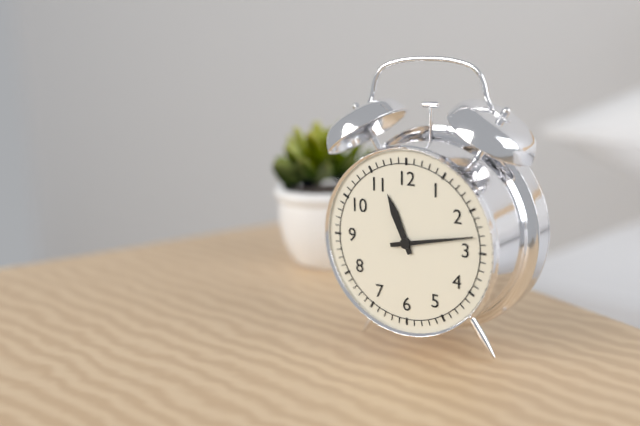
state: 11:13
